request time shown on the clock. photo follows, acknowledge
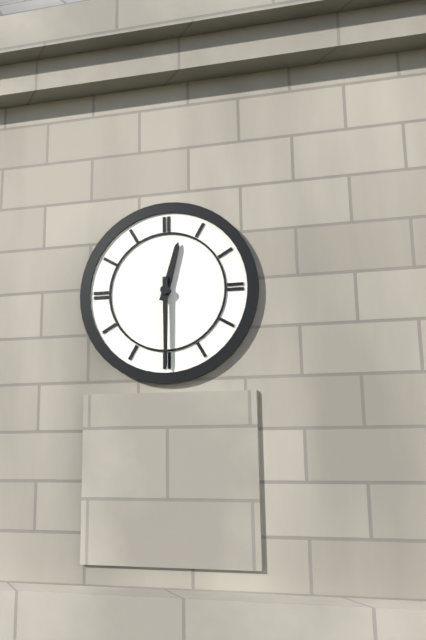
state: 12:30
